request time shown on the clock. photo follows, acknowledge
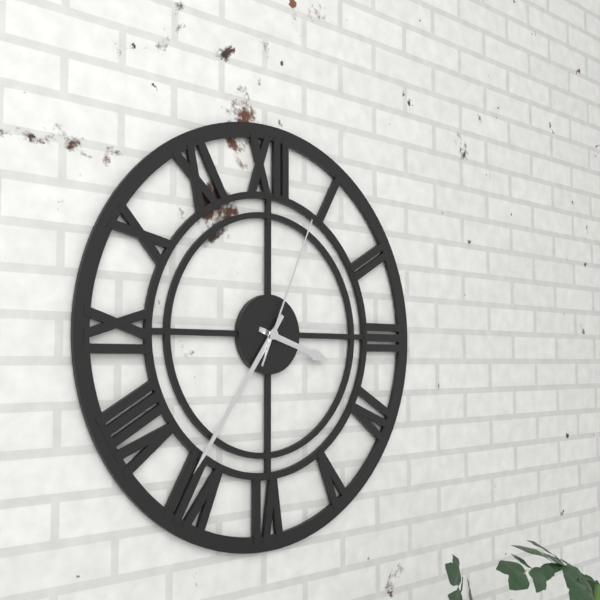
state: 3:36:04
